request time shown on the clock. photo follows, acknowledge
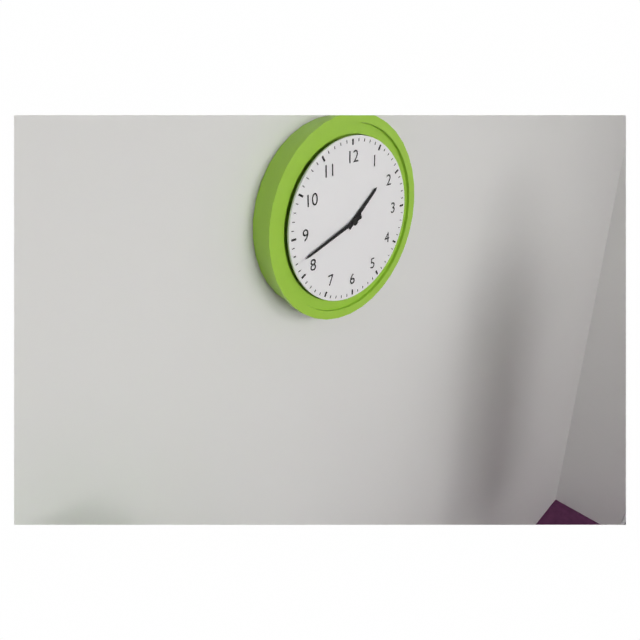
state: 1:42
